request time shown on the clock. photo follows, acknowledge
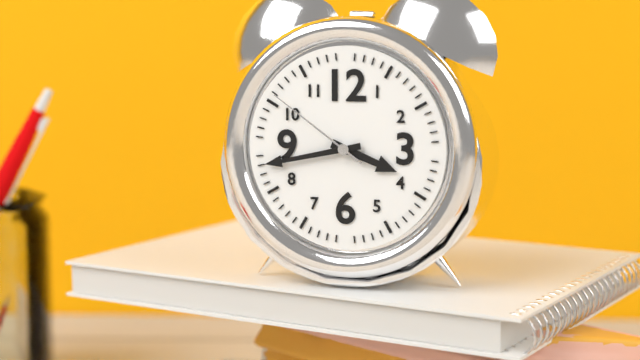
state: 3:43:51
